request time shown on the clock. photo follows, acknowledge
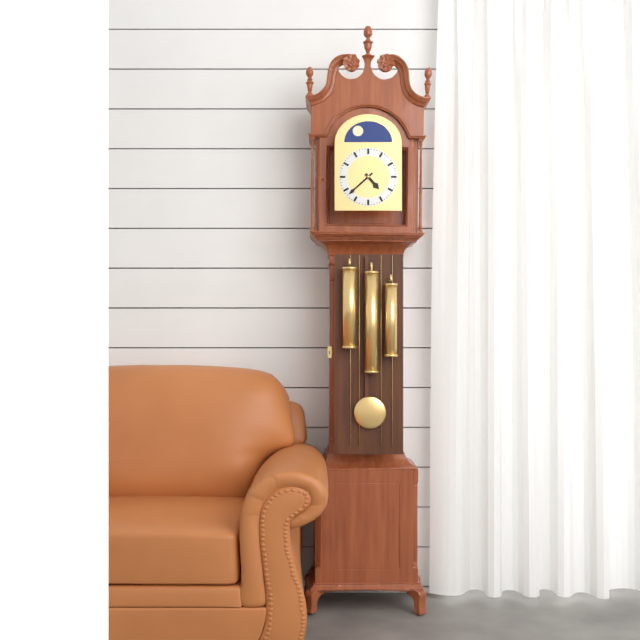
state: 4:38
